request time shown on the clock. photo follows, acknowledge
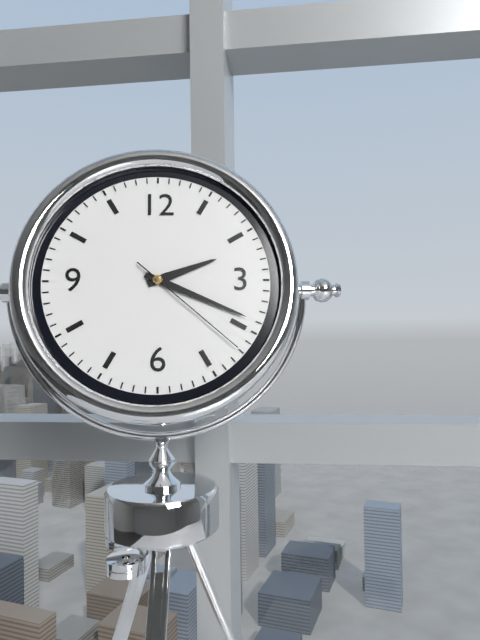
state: 2:19:22
